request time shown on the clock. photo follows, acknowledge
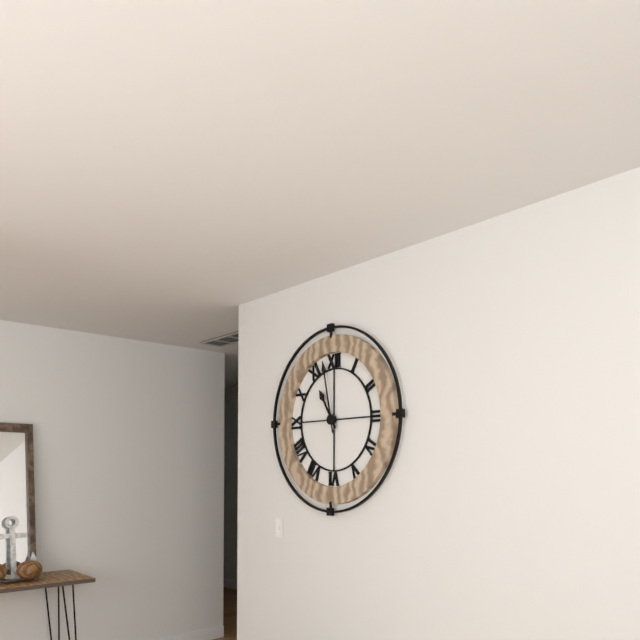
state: 10:58
